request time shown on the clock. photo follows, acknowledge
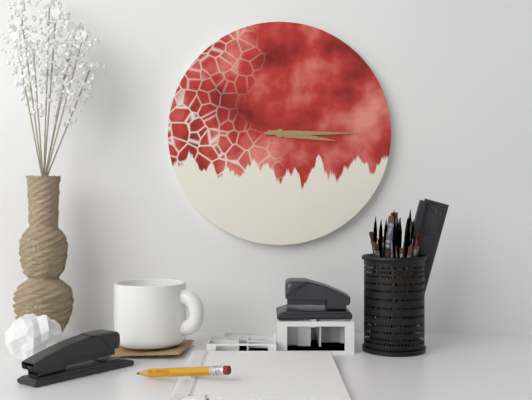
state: 3:15
